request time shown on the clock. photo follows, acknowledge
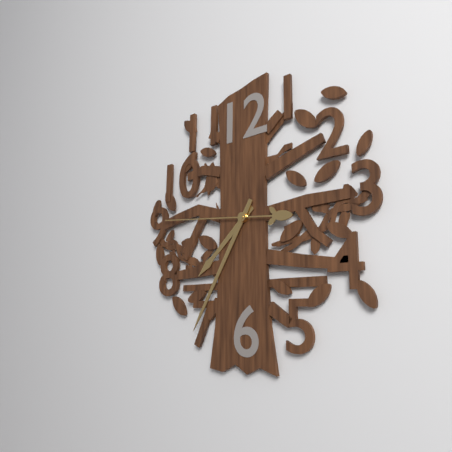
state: 7:35:46
